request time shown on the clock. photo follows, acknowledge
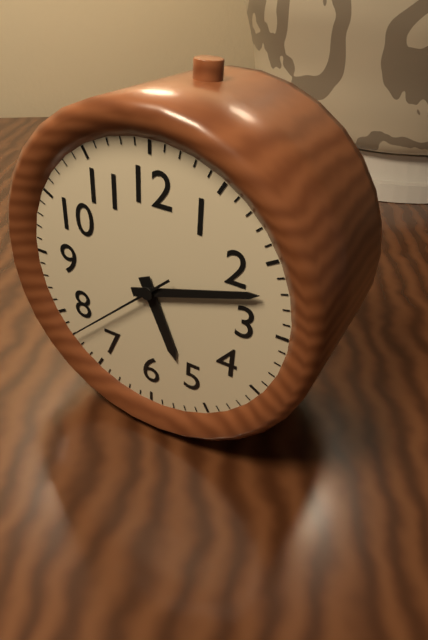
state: 5:12:38
